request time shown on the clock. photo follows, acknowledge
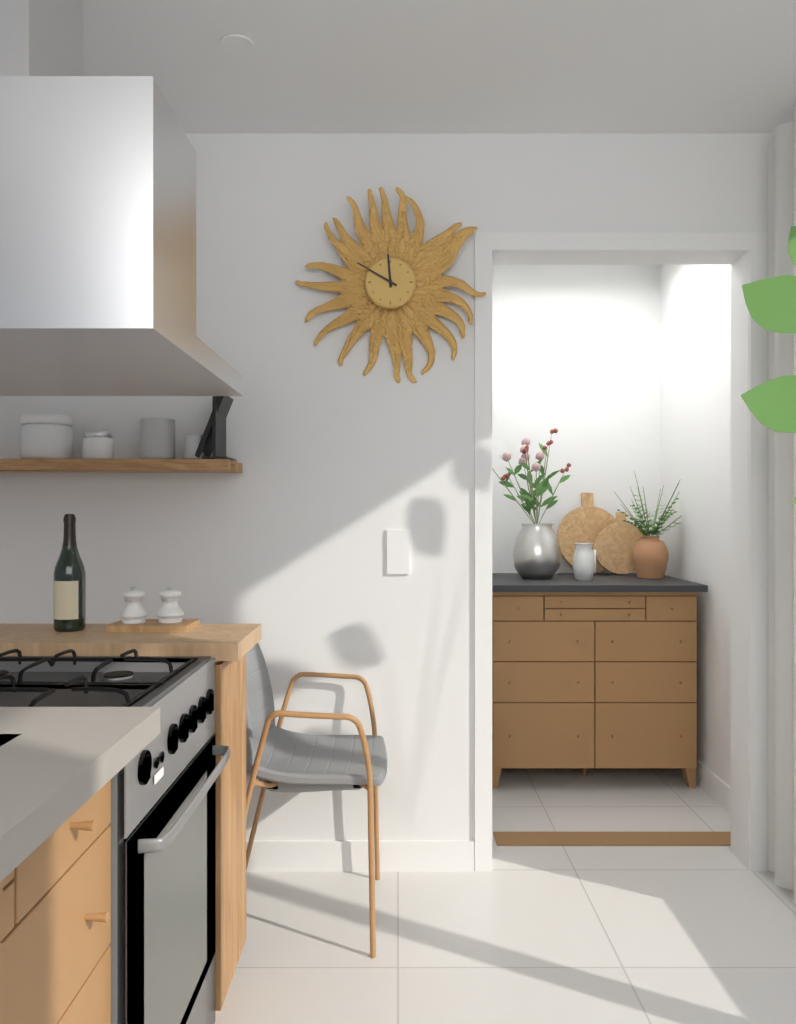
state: 11:50
